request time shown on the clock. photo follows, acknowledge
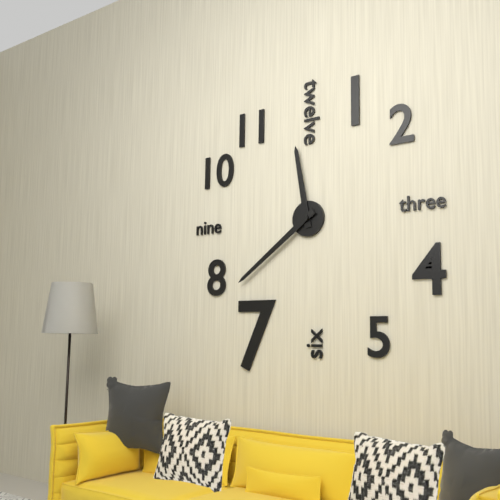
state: 11:39
